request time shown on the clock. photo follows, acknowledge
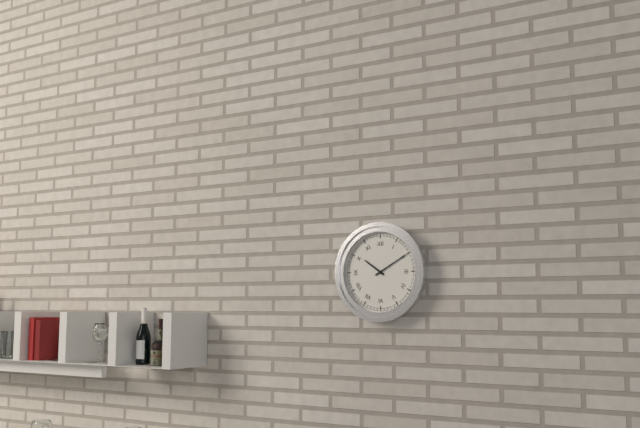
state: 10:10
